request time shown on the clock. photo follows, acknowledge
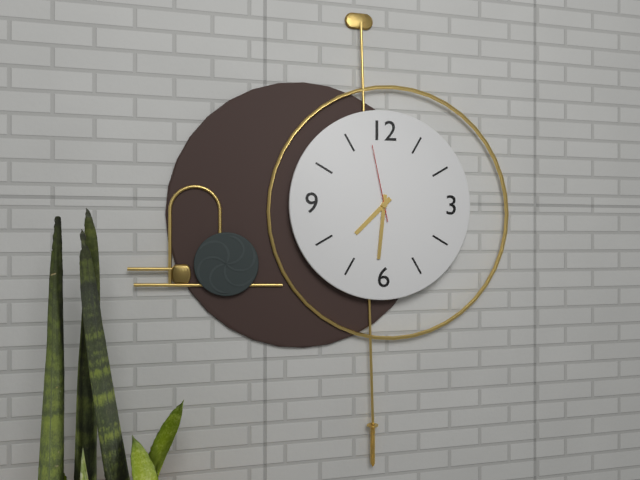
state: 7:31:58
